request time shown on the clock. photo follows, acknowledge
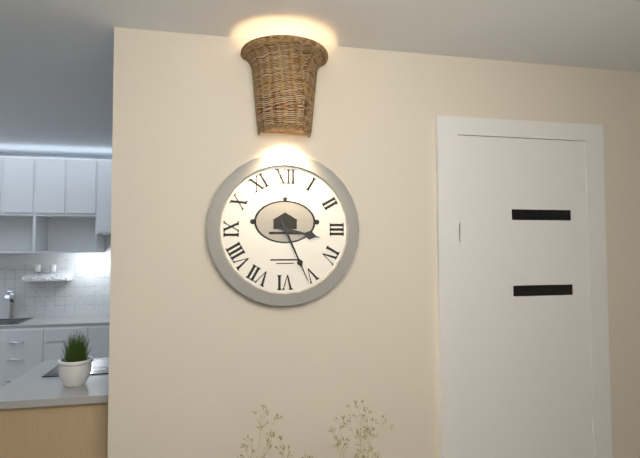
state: 3:26
